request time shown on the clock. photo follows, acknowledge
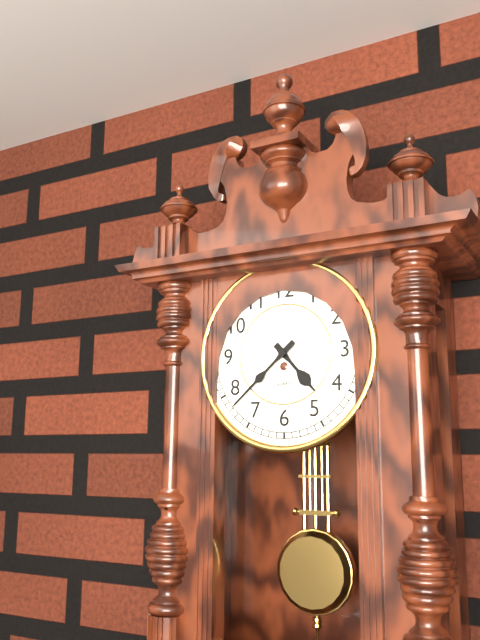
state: 4:38
